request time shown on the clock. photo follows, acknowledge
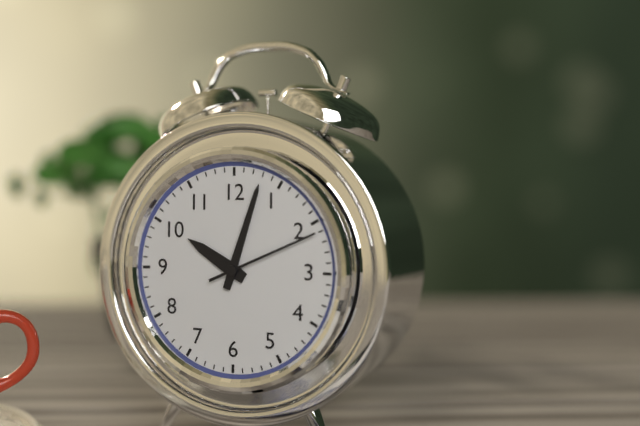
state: 10:03:11
